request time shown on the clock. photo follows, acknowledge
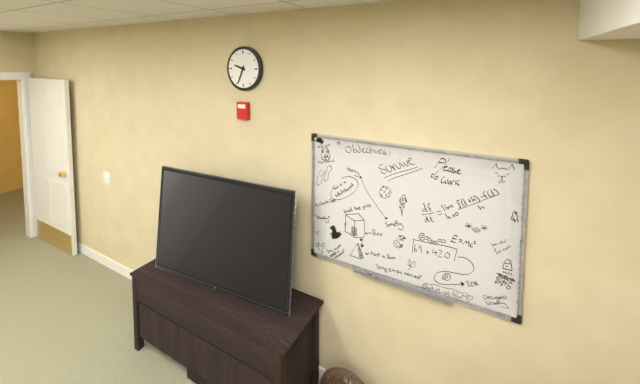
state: 9:34
